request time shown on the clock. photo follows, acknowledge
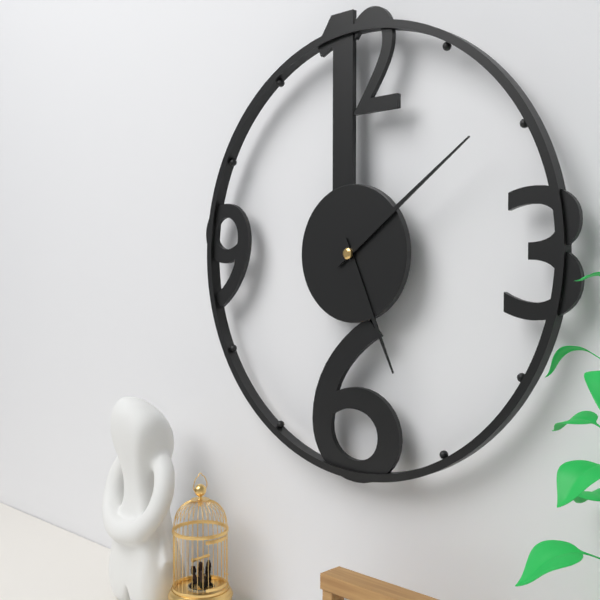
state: 5:09
